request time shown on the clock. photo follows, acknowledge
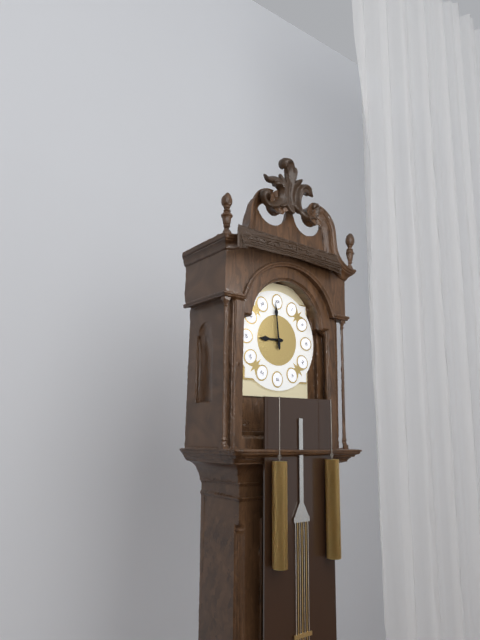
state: 8:59
